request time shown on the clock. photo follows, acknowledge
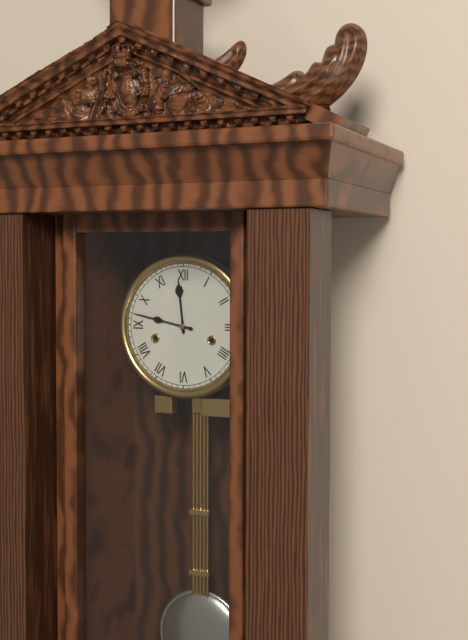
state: 11:47
